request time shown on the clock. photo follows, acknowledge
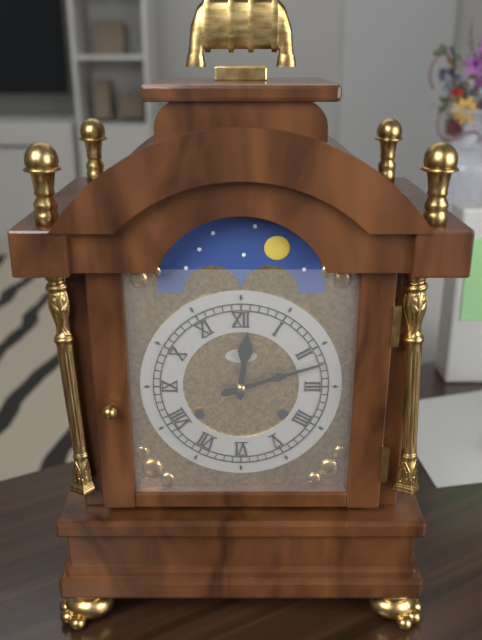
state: 12:12
